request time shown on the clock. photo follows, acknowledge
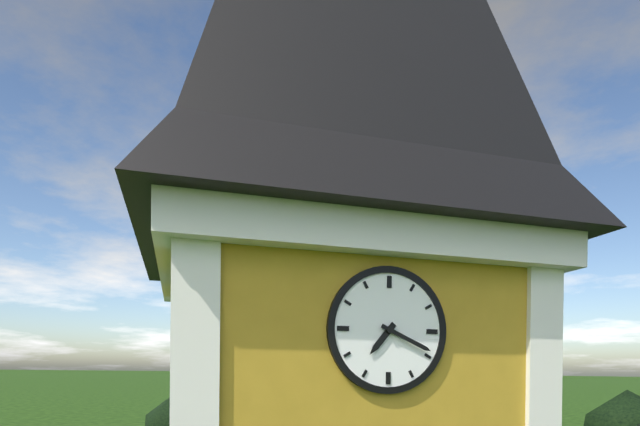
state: 7:19
